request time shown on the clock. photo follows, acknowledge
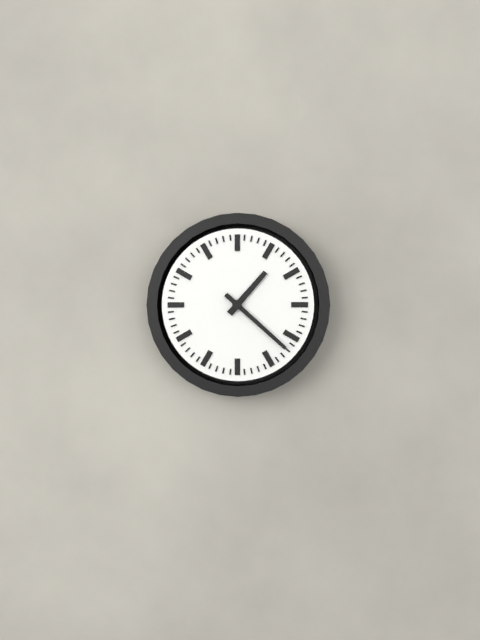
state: 1:22
